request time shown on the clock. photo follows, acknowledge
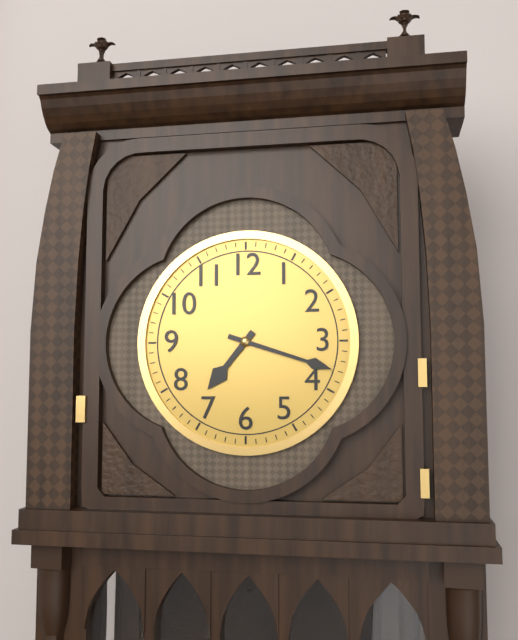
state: 7:18
